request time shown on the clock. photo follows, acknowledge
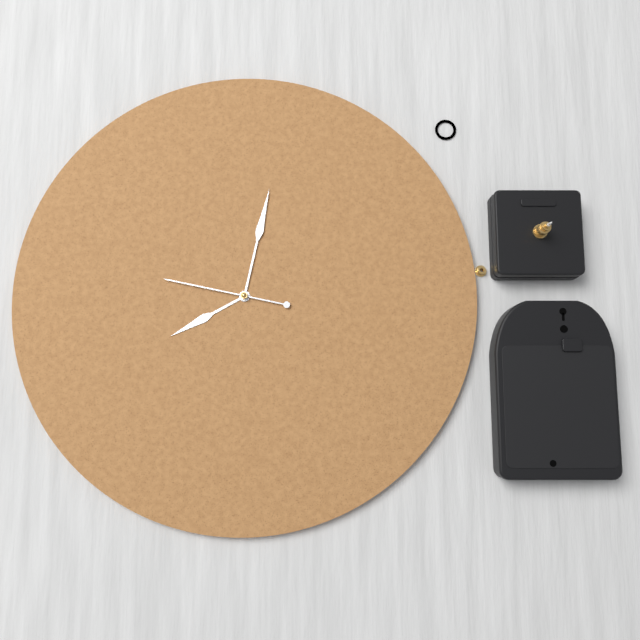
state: 8:02:47
